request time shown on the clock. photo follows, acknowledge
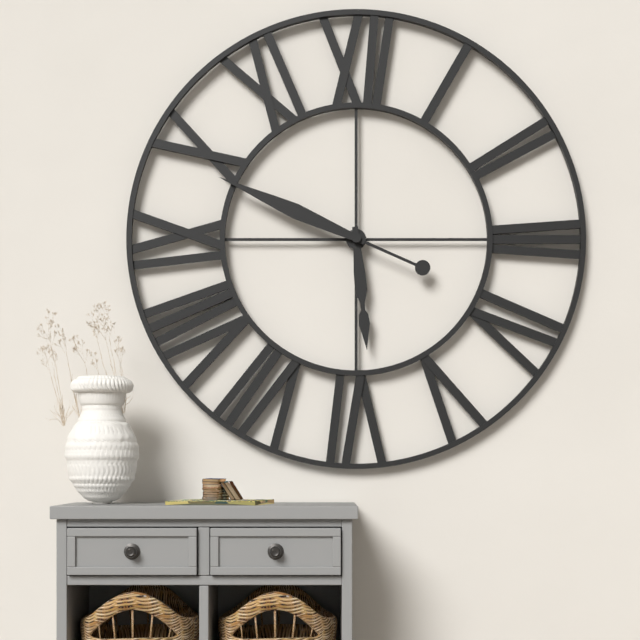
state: 5:49
